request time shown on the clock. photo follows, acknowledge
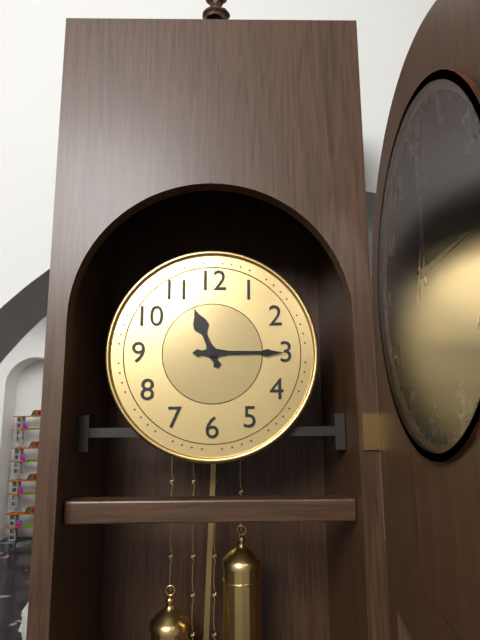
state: 11:15
